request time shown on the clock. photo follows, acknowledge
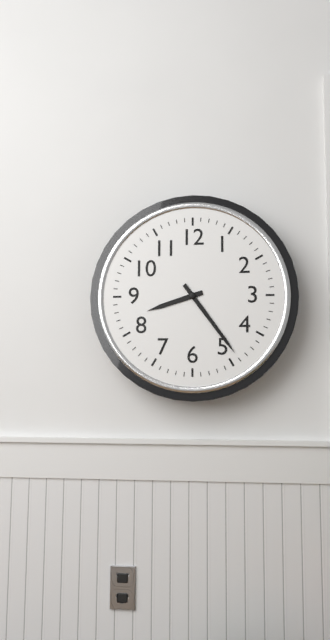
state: 8:24
